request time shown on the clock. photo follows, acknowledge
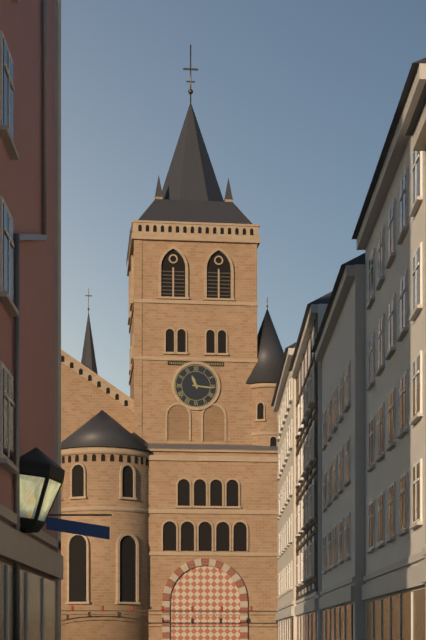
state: 11:16
